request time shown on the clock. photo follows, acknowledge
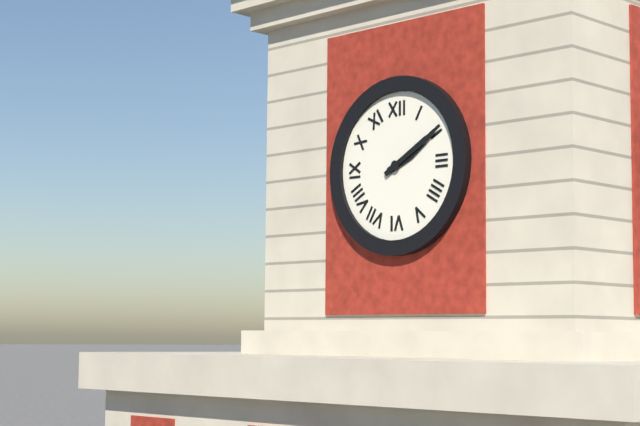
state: 2:10
